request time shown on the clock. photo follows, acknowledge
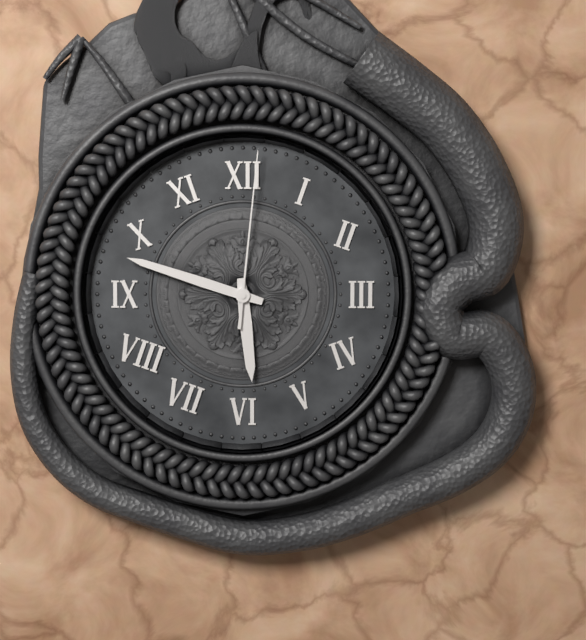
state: 5:48:01
